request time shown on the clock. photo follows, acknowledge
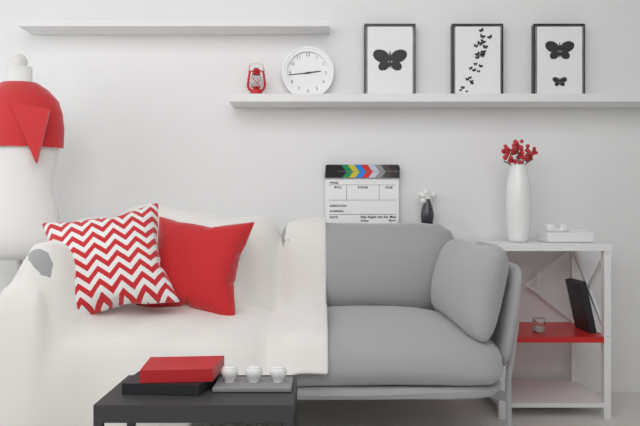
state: 2:44
